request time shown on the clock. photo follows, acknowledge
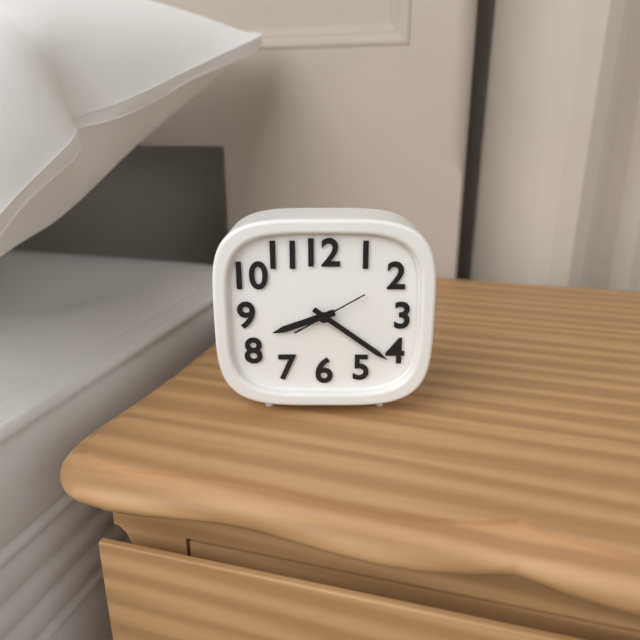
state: 8:21:10
